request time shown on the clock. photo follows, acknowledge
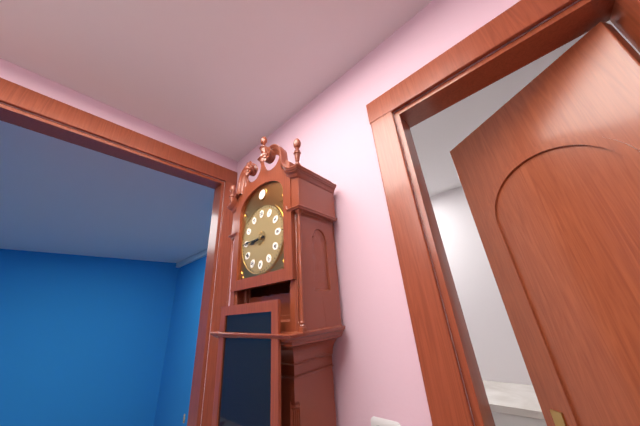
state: 8:45
